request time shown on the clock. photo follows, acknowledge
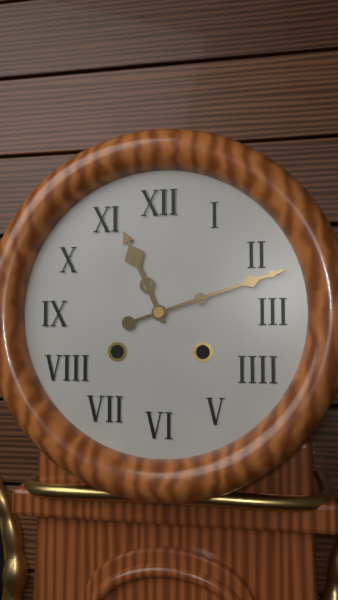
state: 11:12
